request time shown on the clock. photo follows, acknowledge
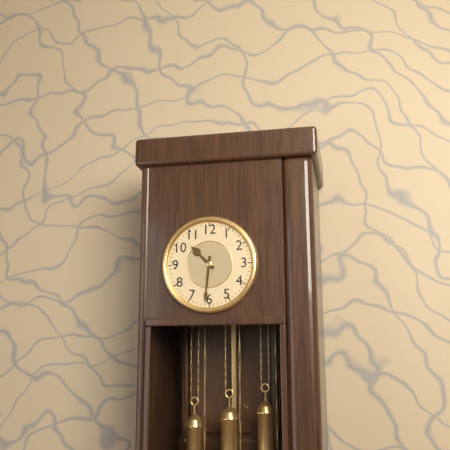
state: 10:31
